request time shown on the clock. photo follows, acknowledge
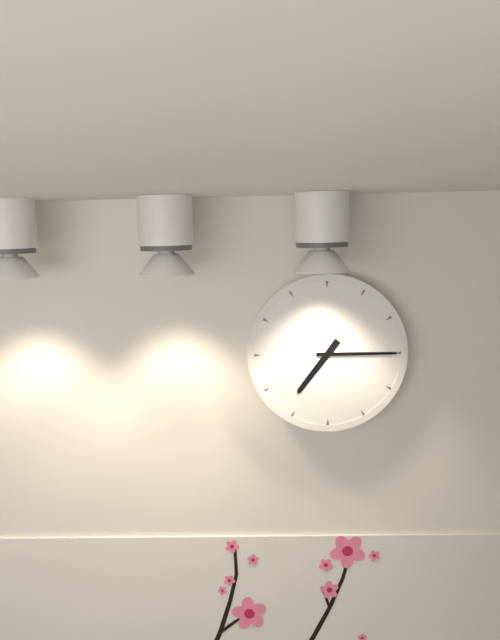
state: 7:15
